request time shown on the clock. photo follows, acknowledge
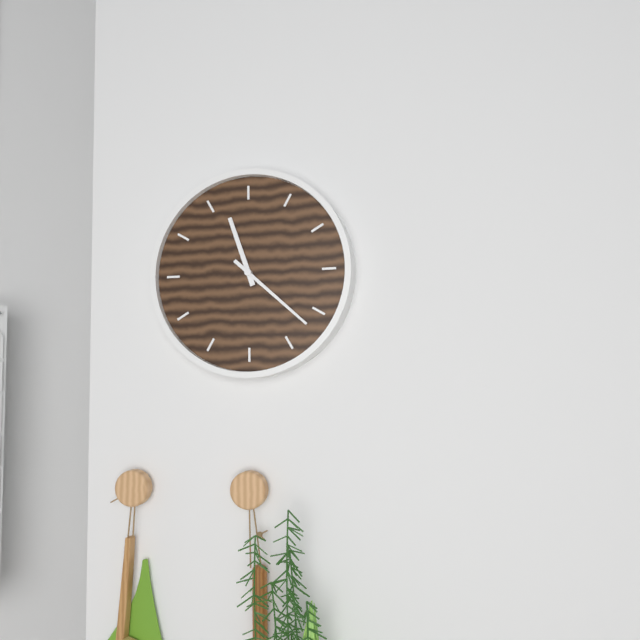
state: 11:22
